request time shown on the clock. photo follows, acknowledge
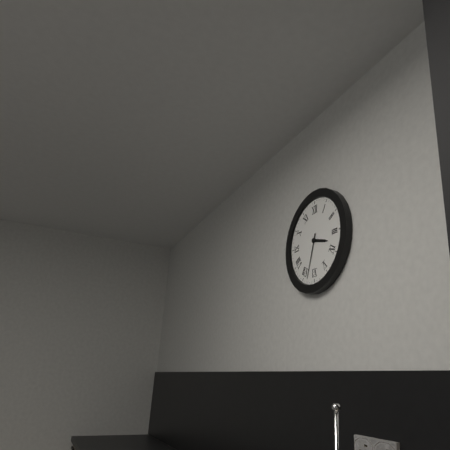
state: 3:33
